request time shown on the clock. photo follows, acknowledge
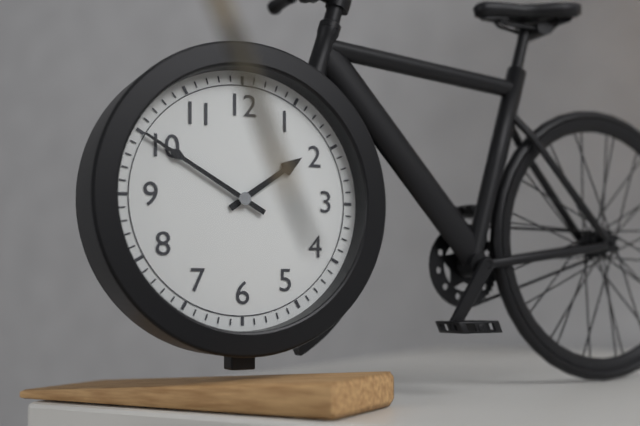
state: 1:50
